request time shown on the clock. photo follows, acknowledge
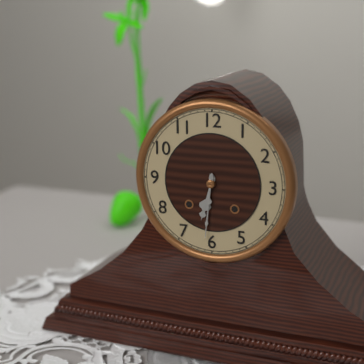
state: 6:31
